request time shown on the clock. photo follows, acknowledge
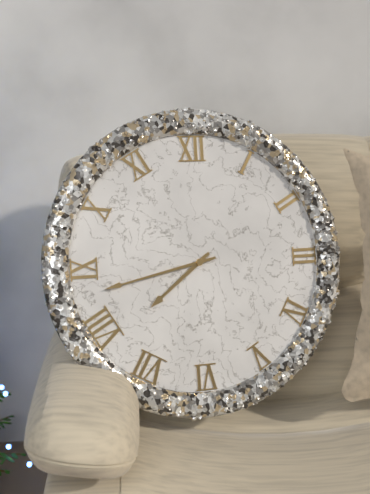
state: 7:43
